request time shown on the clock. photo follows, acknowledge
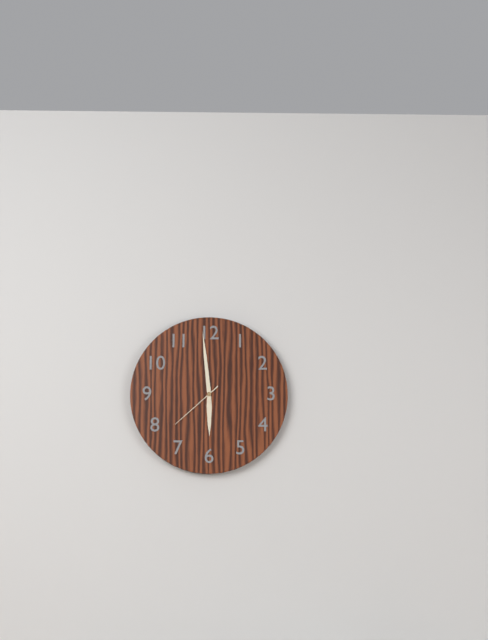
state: 5:59:38
